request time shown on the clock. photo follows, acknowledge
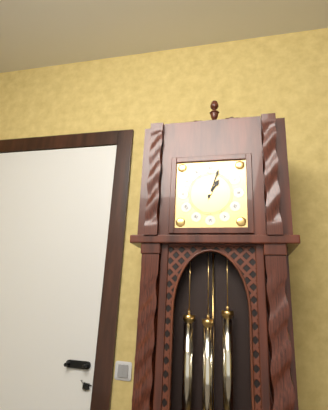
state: 1:03
